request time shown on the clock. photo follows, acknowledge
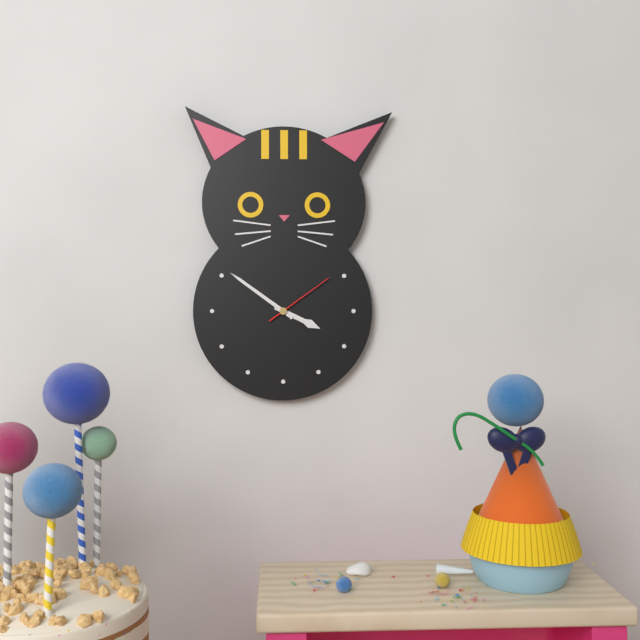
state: 3:51:09
